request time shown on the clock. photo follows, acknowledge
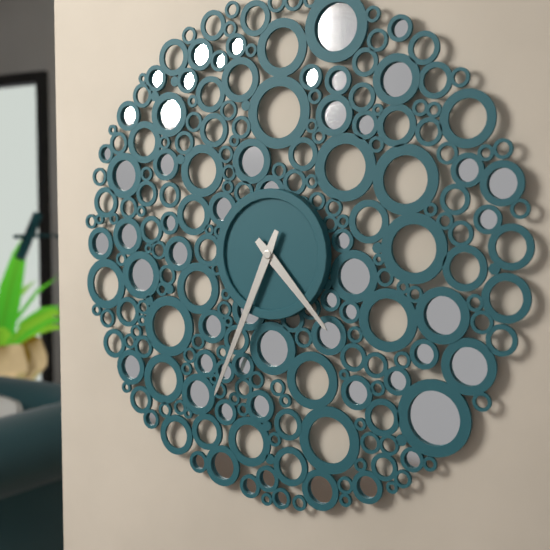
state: 4:34
